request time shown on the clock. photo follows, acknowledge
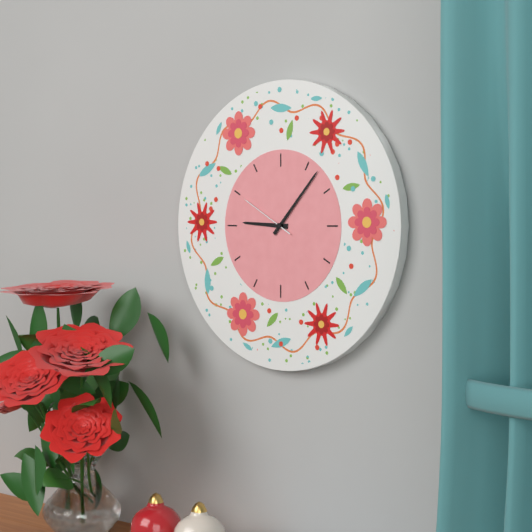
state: 9:07:50
